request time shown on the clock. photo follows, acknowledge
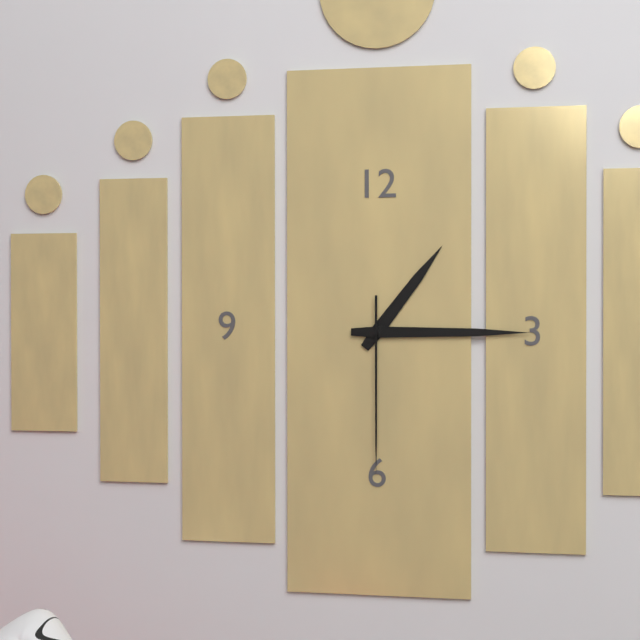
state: 1:15:30
